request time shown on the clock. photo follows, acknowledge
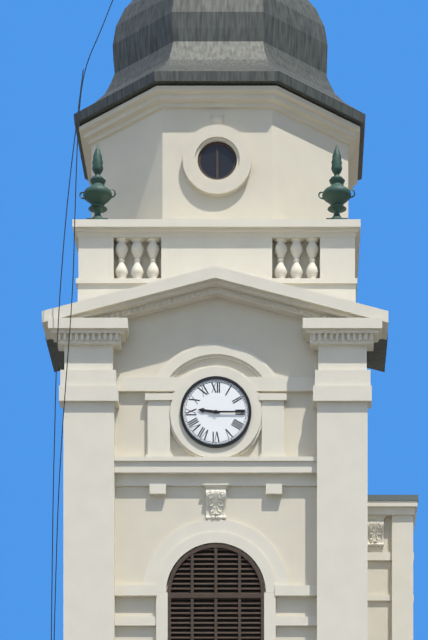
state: 9:15
